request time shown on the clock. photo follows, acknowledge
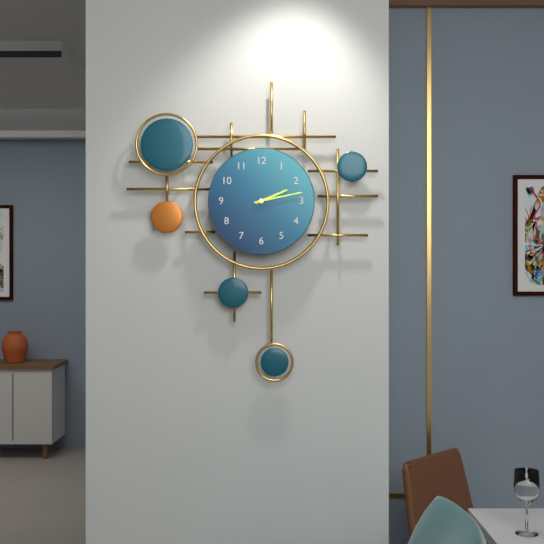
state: 2:13
